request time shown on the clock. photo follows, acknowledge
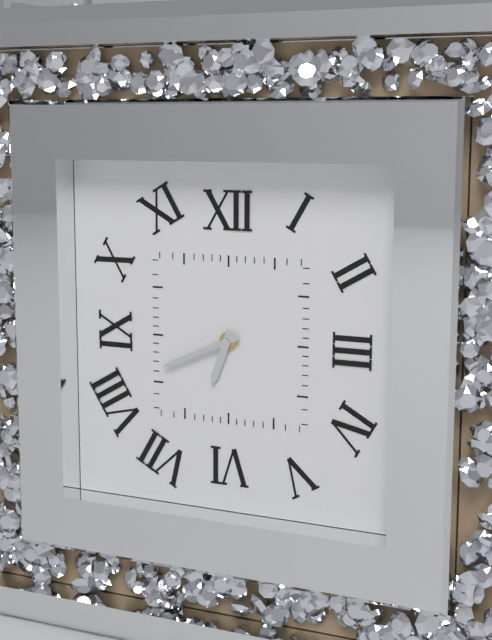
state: 6:41
